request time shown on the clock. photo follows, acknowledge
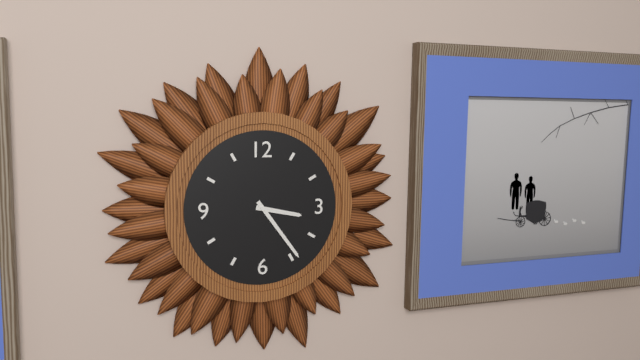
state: 3:24
